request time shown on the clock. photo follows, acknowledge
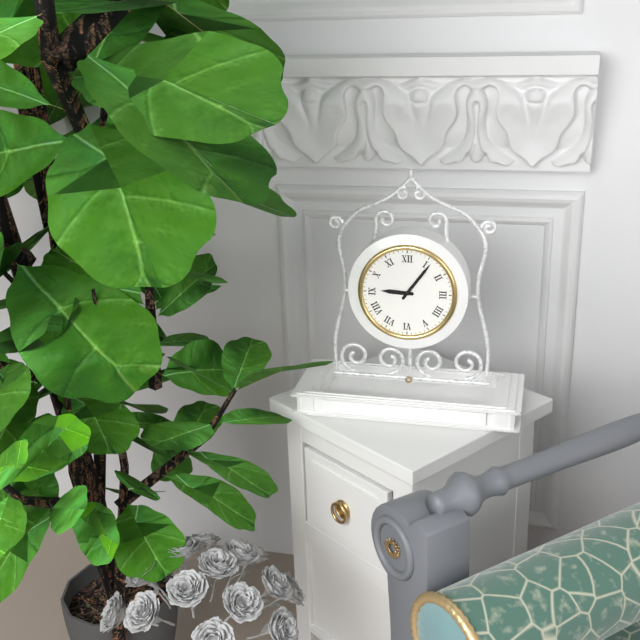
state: 9:06
